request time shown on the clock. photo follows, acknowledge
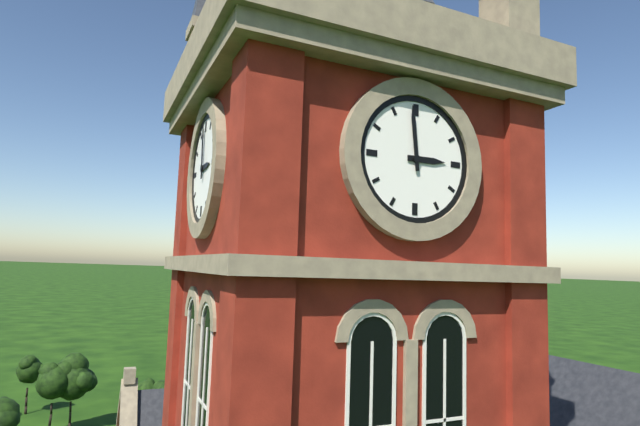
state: 2:59
